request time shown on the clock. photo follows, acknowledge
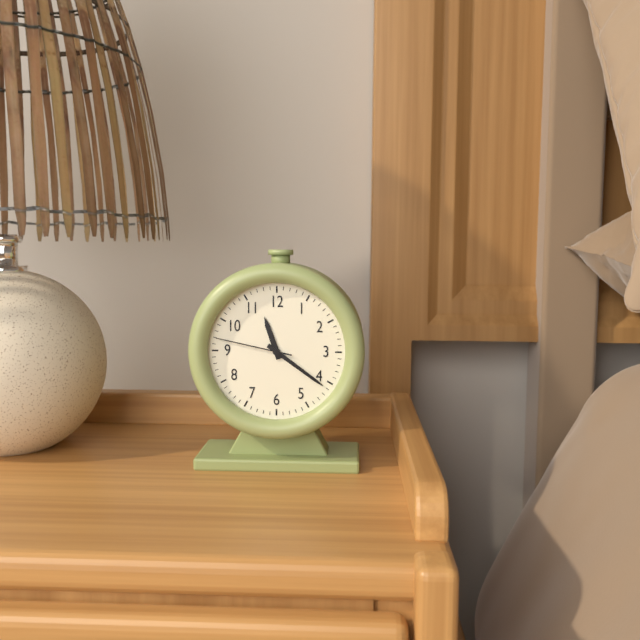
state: 11:21:47
